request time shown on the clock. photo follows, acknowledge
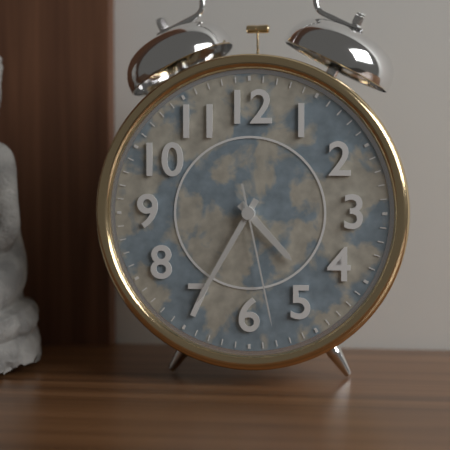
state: 4:35:28
